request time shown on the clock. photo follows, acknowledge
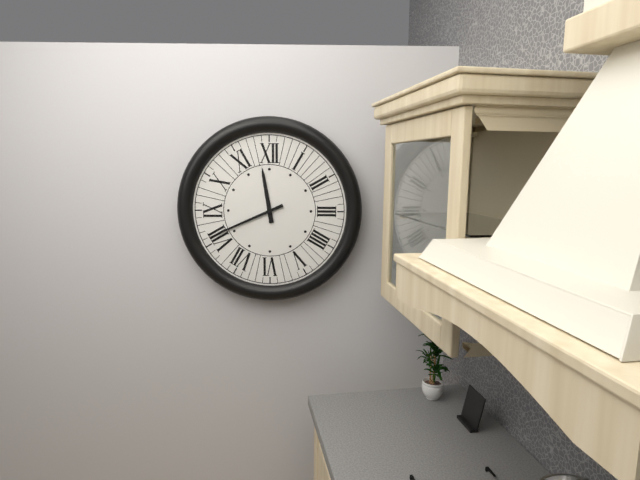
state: 11:41
